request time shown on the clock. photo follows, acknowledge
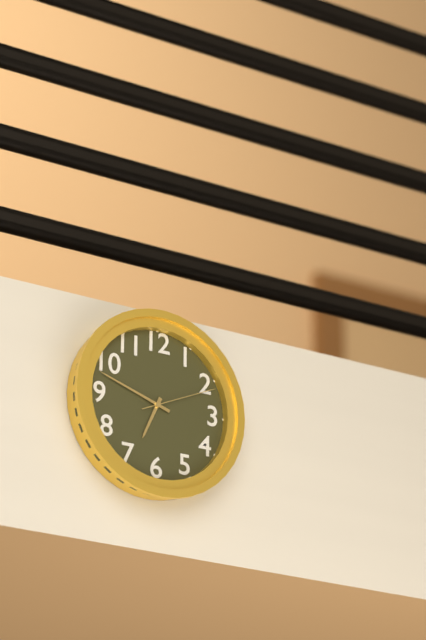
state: 6:48:11
